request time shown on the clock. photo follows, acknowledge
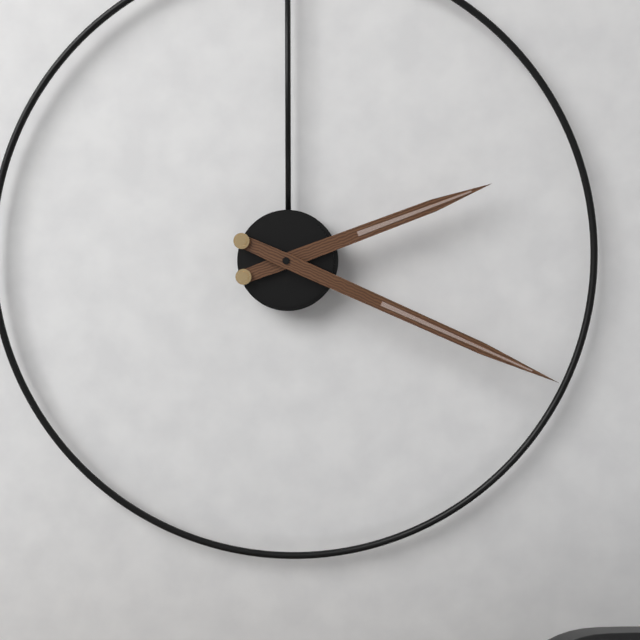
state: 2:19
